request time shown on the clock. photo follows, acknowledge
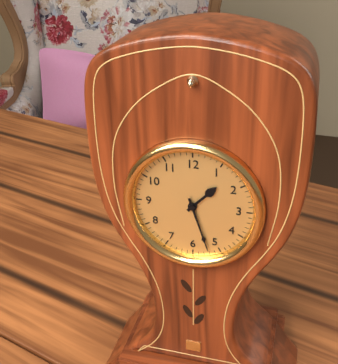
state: 1:27
